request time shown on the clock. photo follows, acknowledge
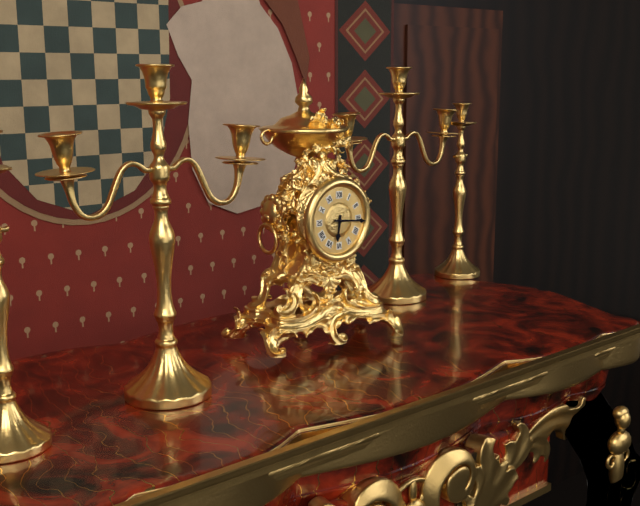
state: 6:16
